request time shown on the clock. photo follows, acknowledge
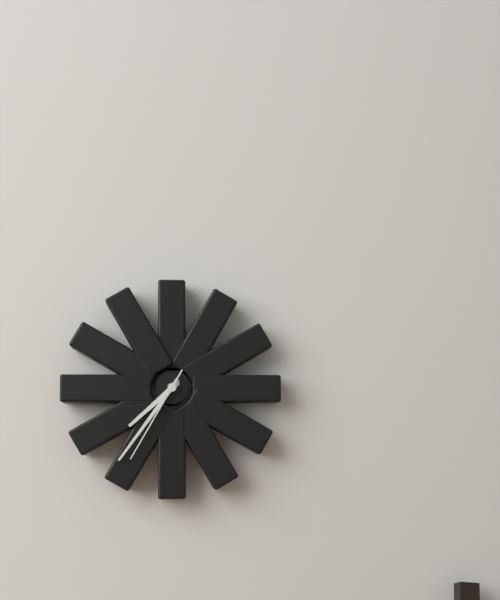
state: 7:36:35
